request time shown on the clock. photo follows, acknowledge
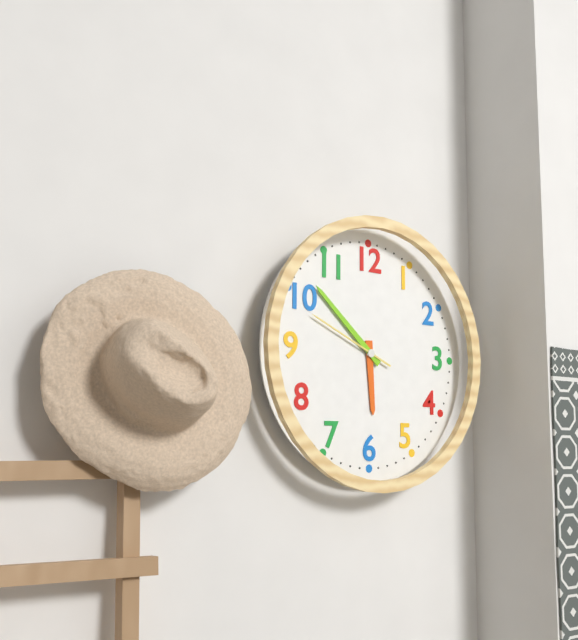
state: 5:52:49
